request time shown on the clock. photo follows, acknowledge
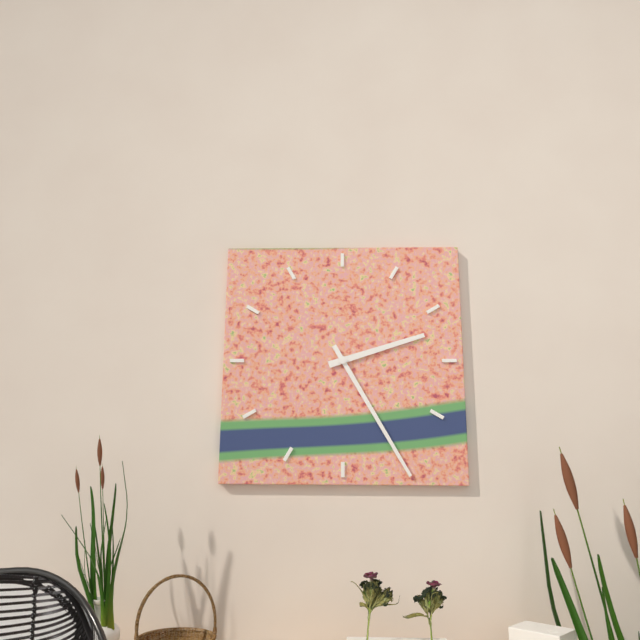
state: 2:25
